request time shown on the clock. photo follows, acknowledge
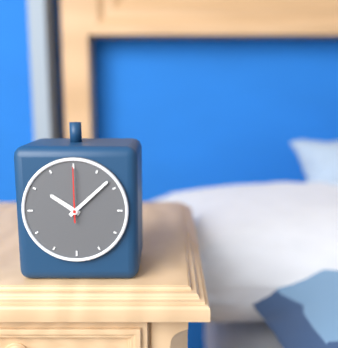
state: 10:08:00
